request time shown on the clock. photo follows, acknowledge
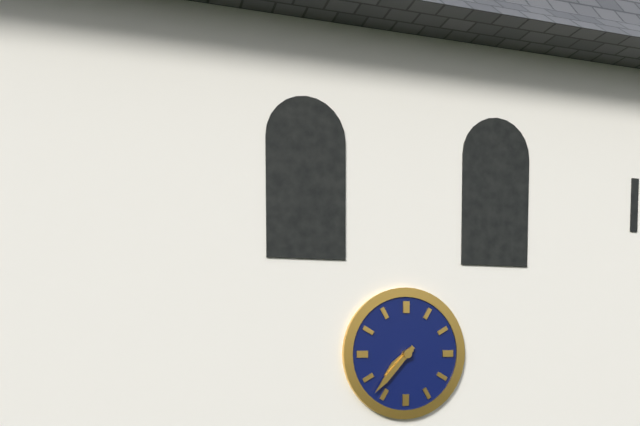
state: 7:37
